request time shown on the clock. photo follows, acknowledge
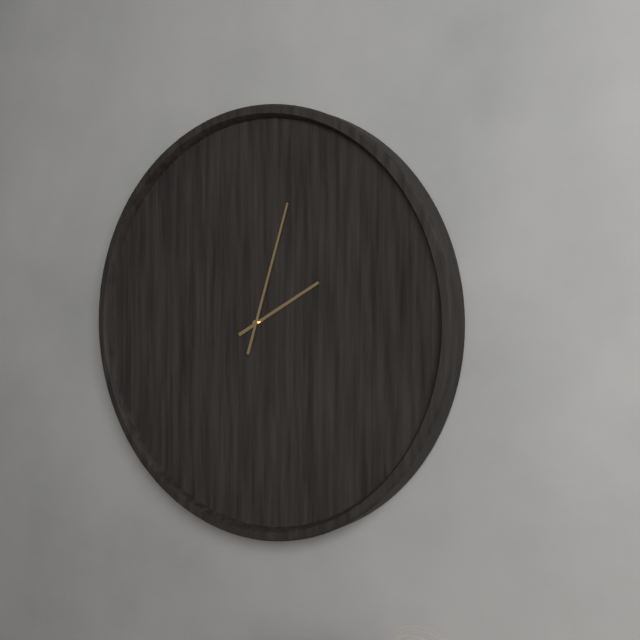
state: 2:03
